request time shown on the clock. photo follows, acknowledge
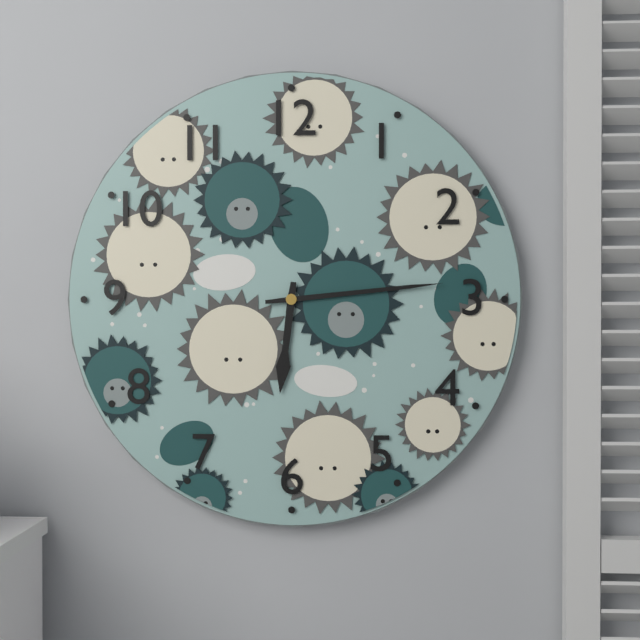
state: 6:14
